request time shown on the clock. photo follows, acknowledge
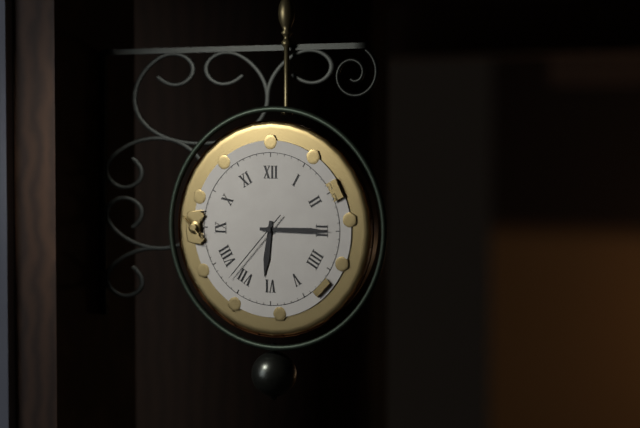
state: 6:15:37
